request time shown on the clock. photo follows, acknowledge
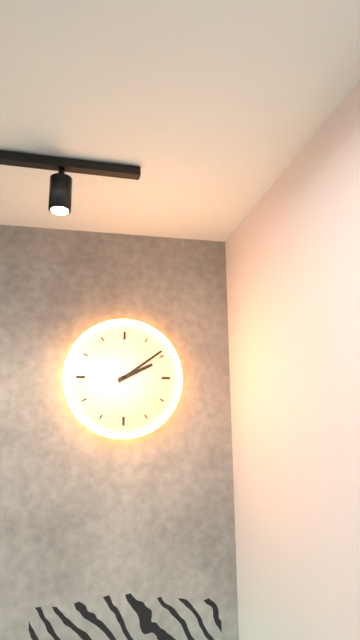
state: 2:09
